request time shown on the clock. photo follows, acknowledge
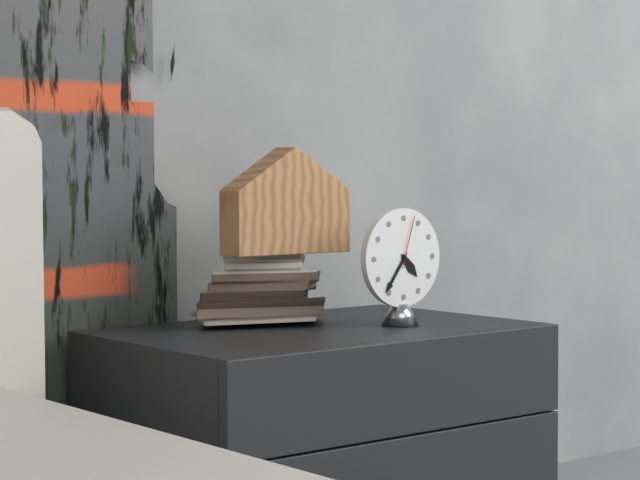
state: 4:36:03
